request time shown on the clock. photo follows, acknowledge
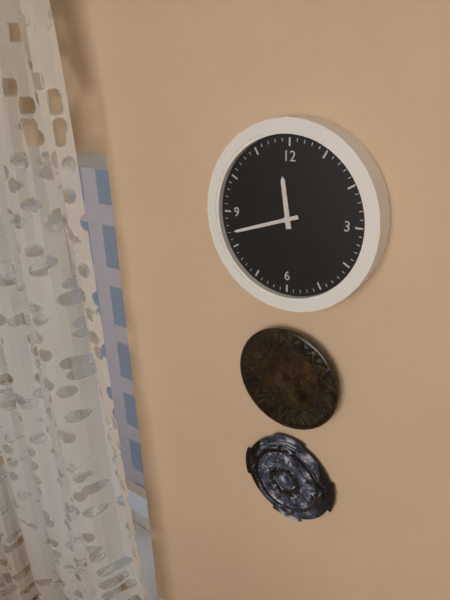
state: 11:42
